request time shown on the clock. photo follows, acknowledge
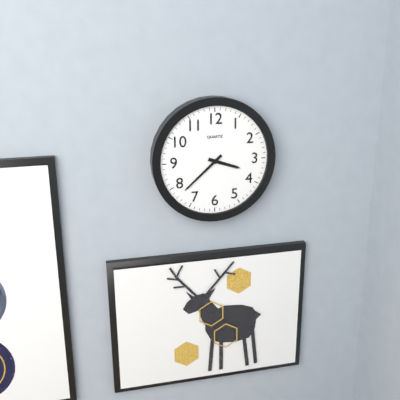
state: 3:38
